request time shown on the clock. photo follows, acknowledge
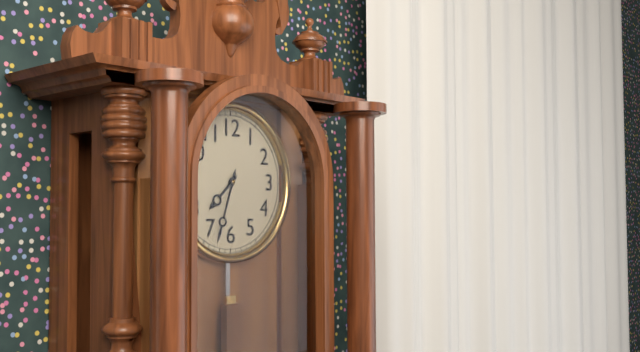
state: 7:33
